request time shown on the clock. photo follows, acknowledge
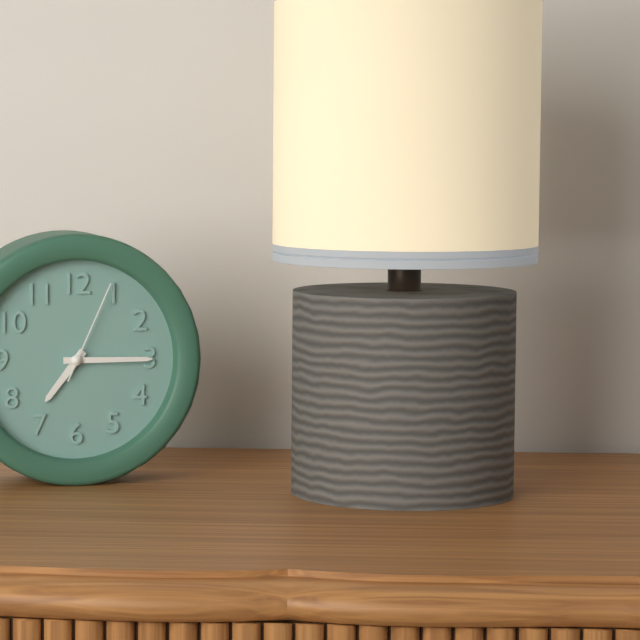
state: 7:15:04
